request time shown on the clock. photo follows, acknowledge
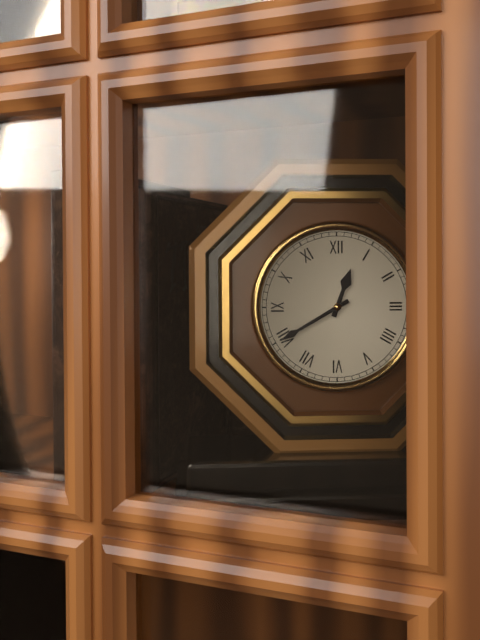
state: 12:40
